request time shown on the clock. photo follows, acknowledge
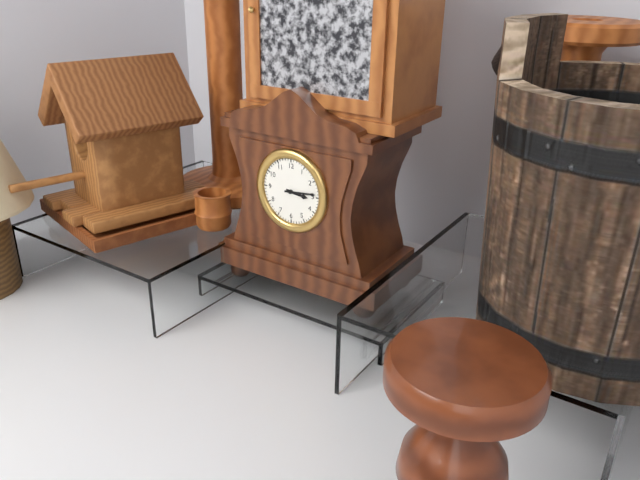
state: 3:14
